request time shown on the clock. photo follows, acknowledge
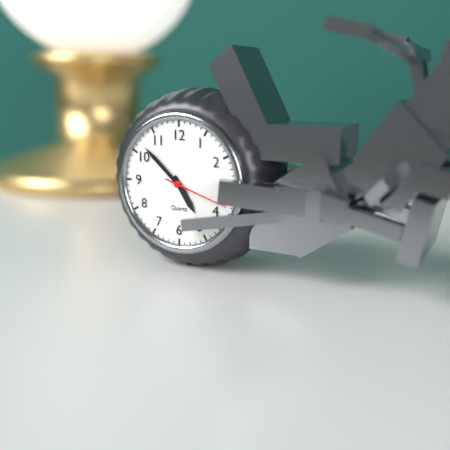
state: 4:52:18
